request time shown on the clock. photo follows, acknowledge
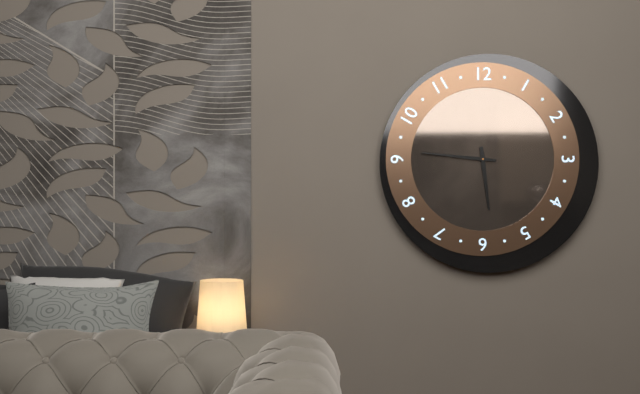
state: 5:46
